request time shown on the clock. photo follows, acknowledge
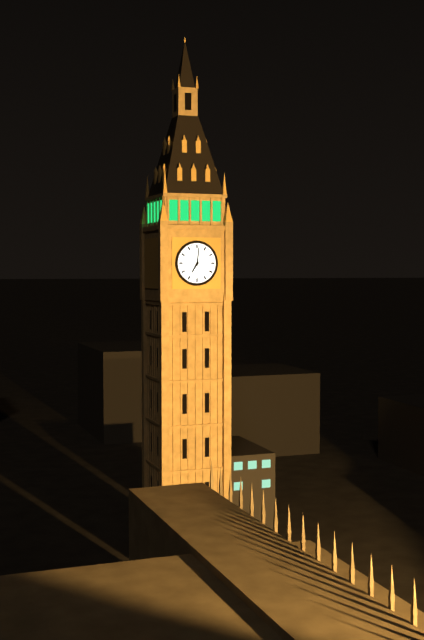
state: 7:01
